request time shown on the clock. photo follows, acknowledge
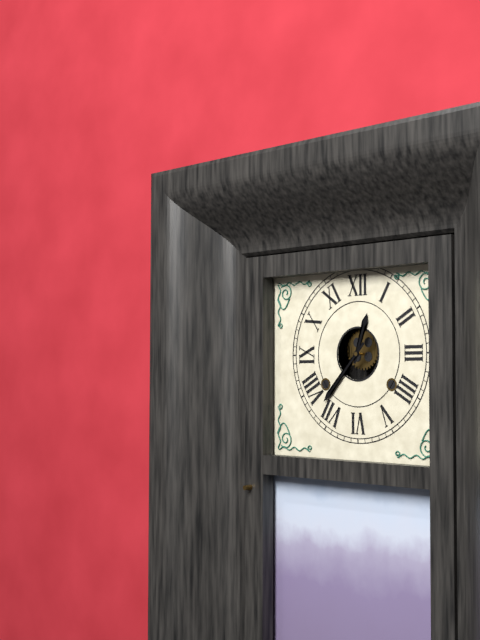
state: 12:37
